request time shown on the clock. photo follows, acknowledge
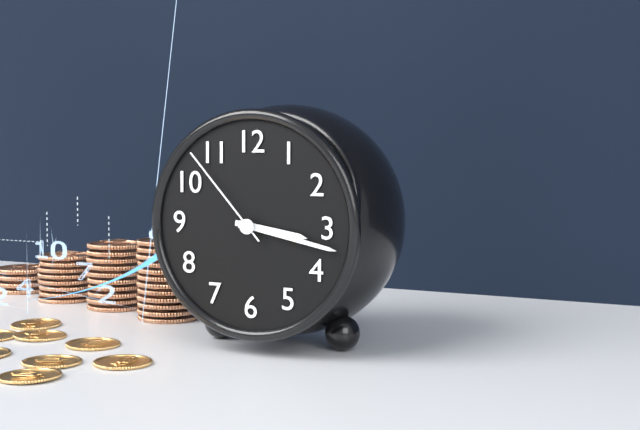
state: 3:17:53
